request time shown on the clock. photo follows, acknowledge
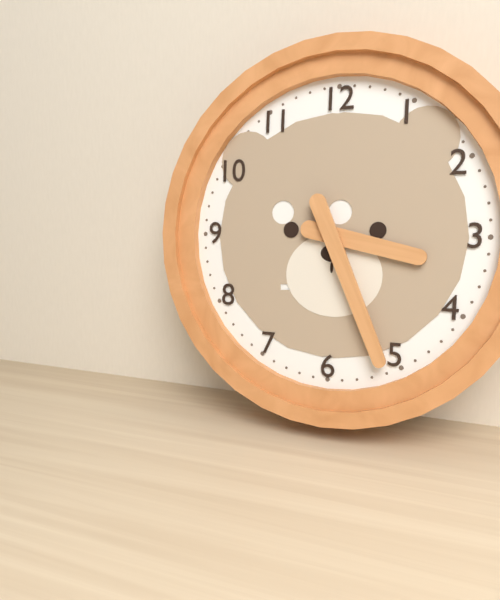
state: 3:26
